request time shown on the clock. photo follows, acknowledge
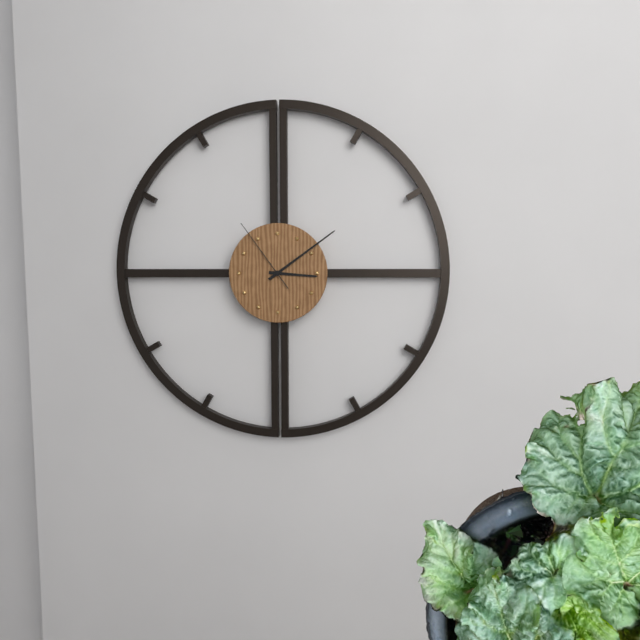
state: 3:09:54
